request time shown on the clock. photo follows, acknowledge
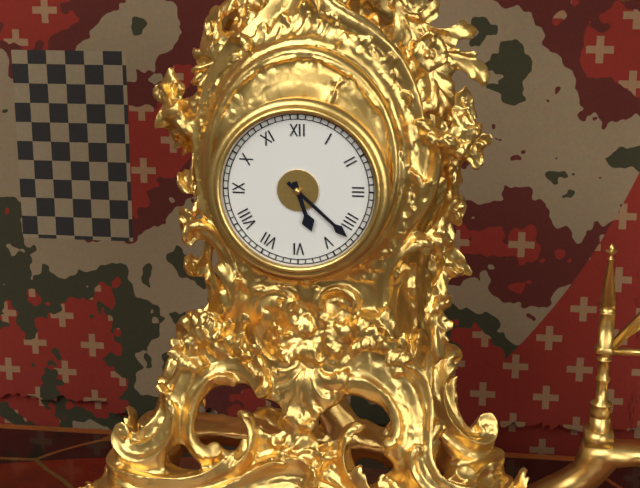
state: 5:22
